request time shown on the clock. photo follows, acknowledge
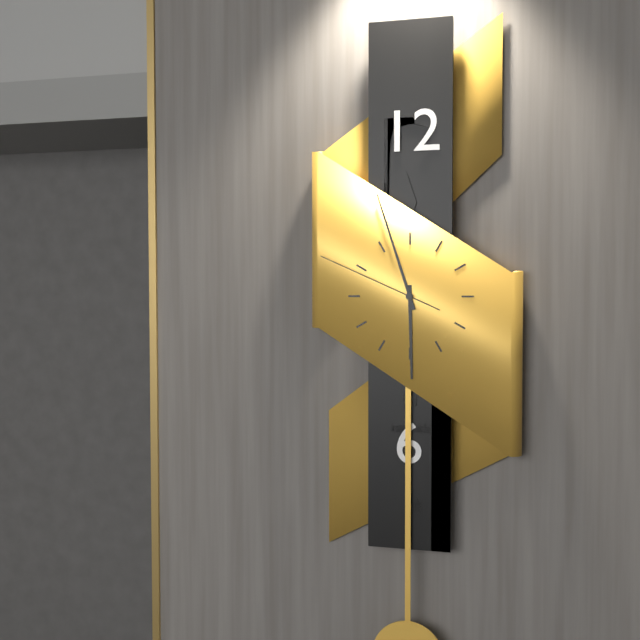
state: 5:57:49
